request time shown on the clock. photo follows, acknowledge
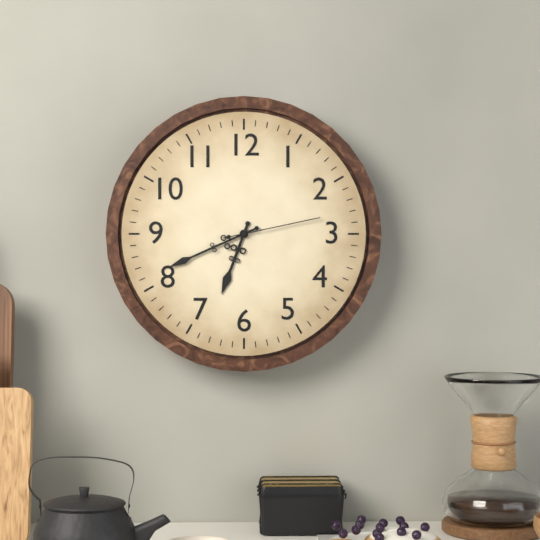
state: 6:41:13
